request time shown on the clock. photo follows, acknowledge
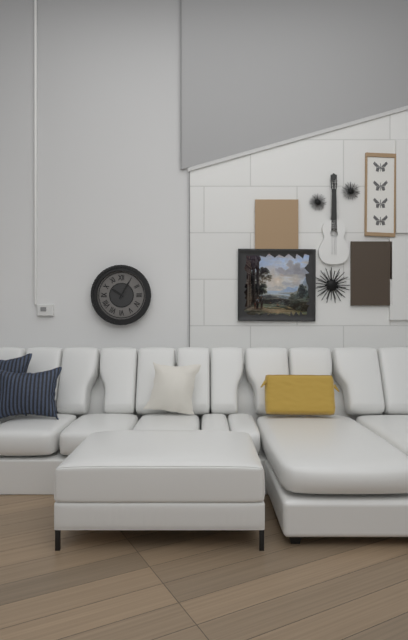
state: 10:05
